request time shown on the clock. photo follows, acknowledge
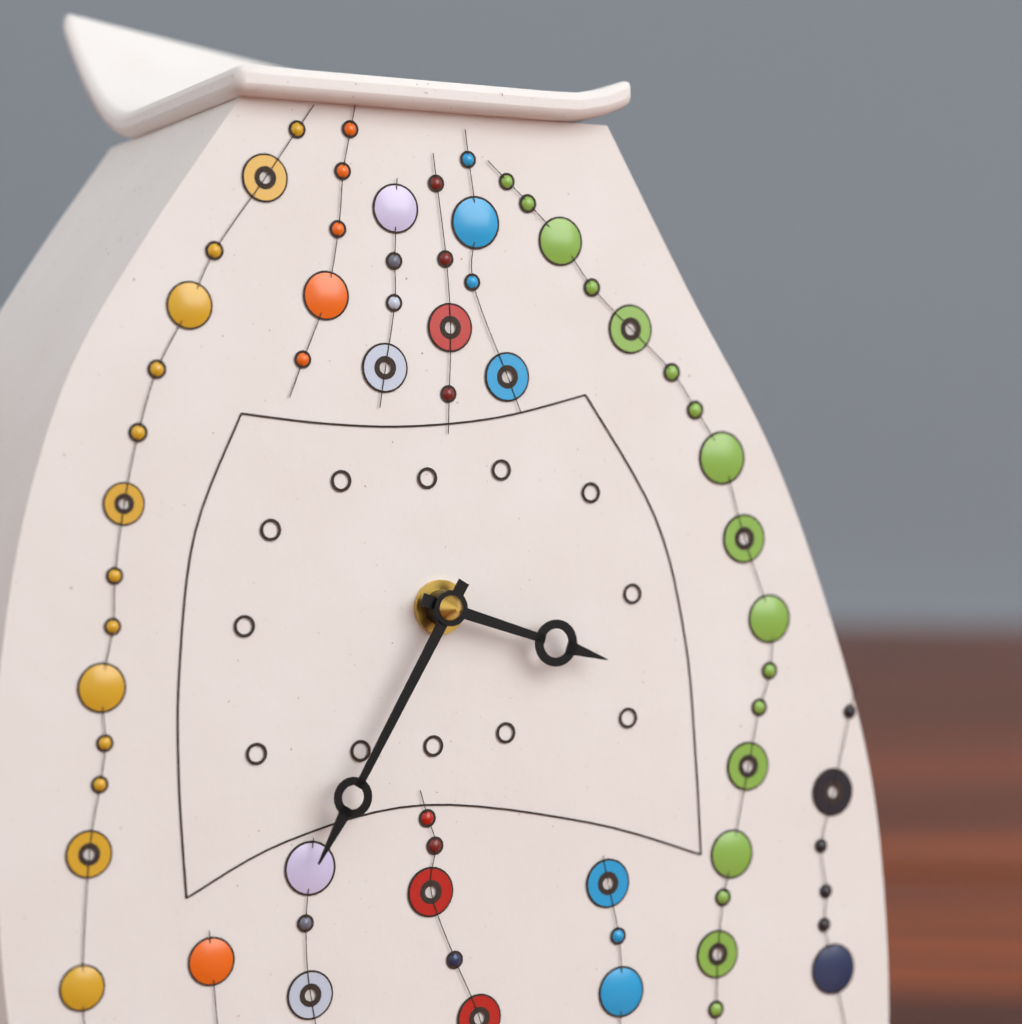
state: 3:35
